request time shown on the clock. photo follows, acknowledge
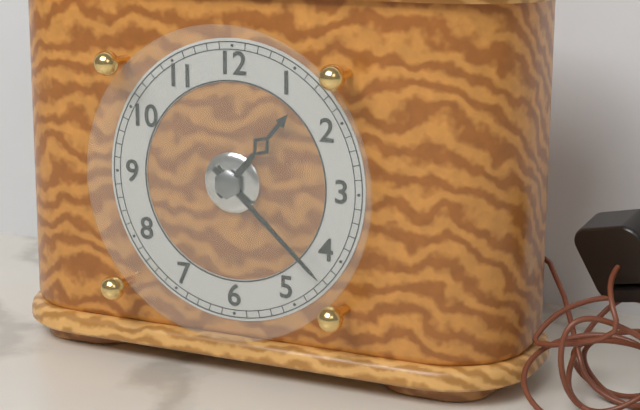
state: 1:22
